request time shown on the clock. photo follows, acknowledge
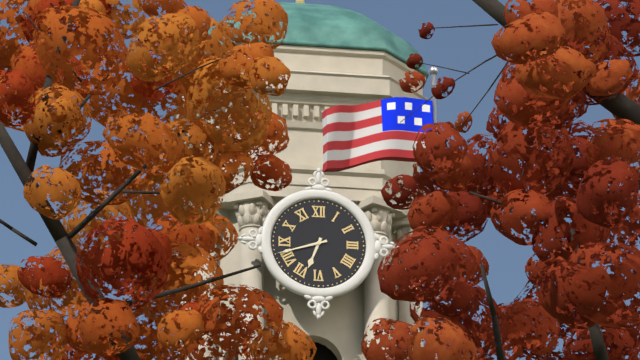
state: 6:42
